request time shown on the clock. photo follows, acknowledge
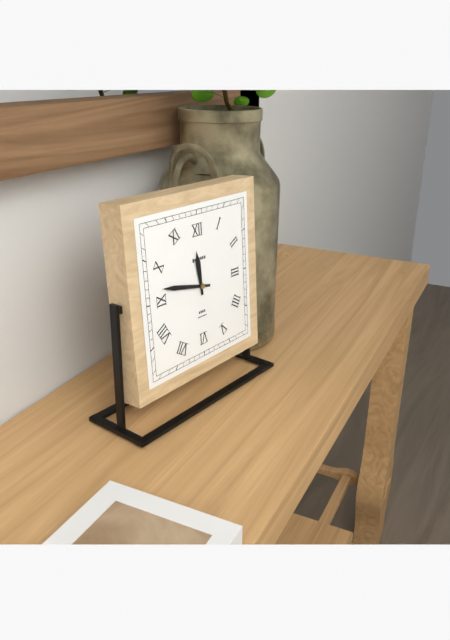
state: 11:47
